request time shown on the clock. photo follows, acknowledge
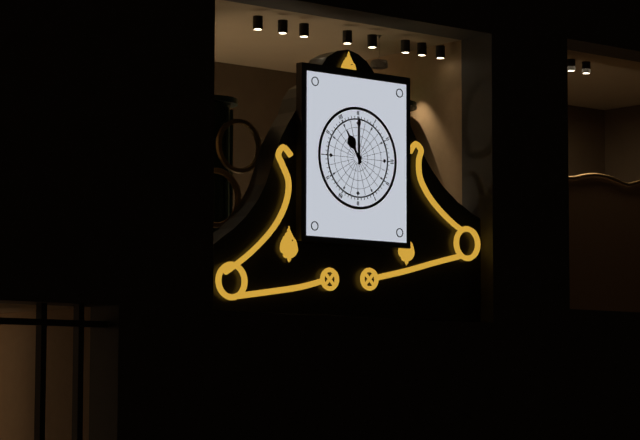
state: 11:00
